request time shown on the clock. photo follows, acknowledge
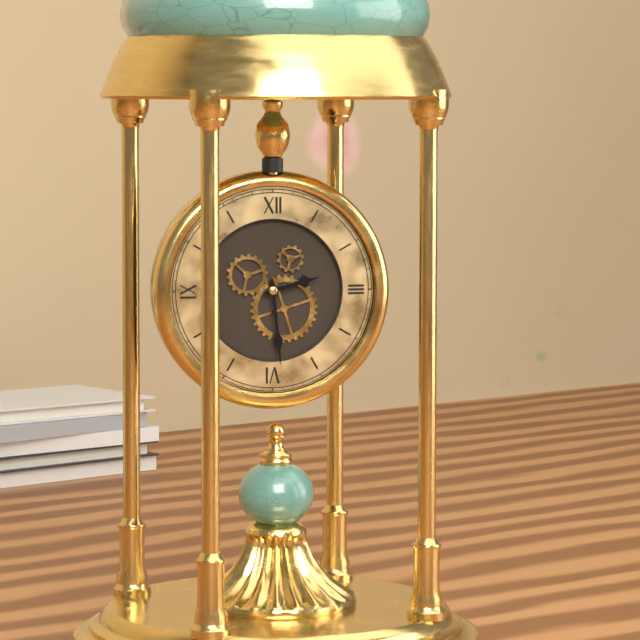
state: 2:29
